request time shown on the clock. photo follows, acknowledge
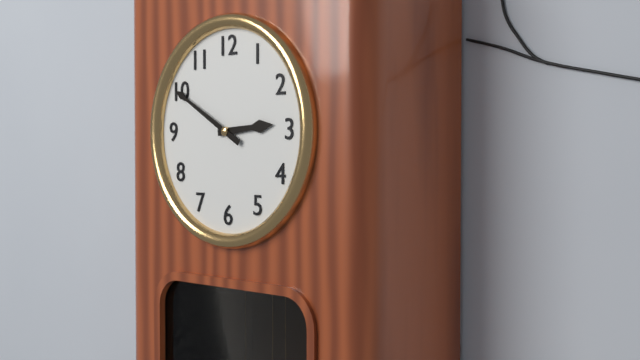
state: 2:50
